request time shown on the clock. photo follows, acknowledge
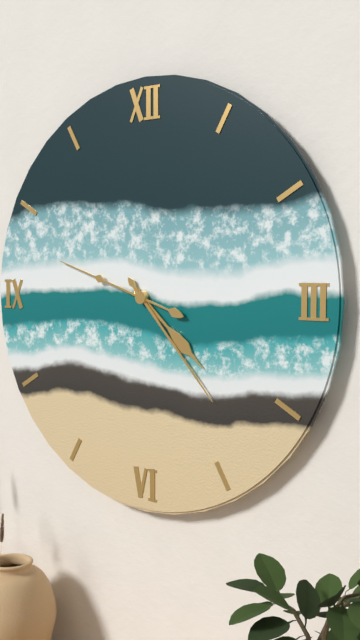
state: 4:23:48
